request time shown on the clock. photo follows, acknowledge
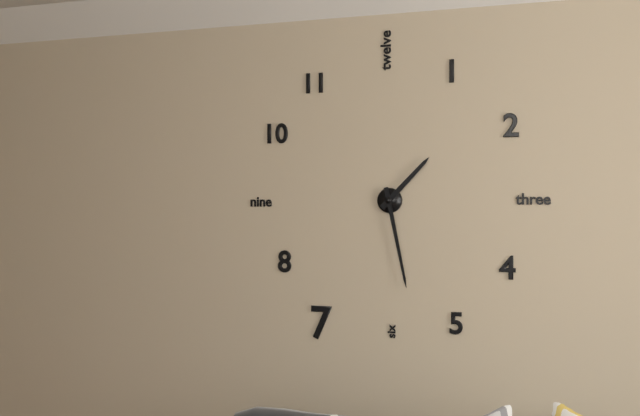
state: 1:28
